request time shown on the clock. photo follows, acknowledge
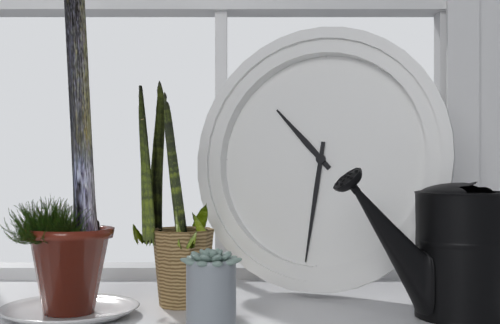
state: 10:31
